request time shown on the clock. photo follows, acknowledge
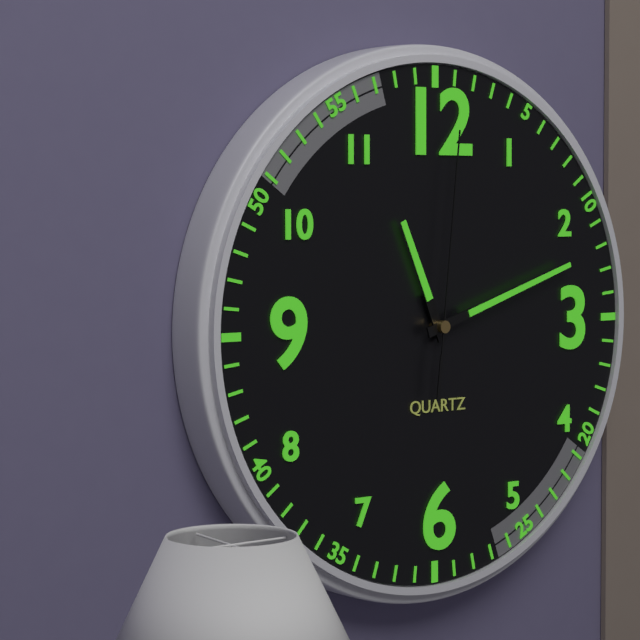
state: 11:12:01
